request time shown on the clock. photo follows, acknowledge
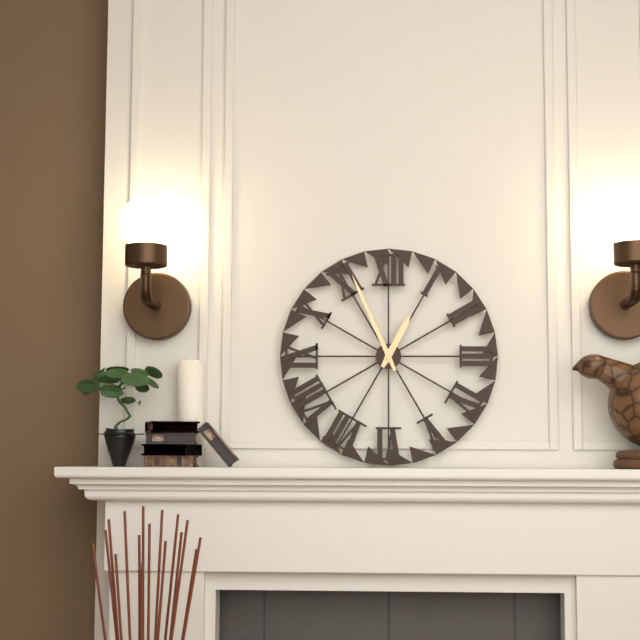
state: 12:56
